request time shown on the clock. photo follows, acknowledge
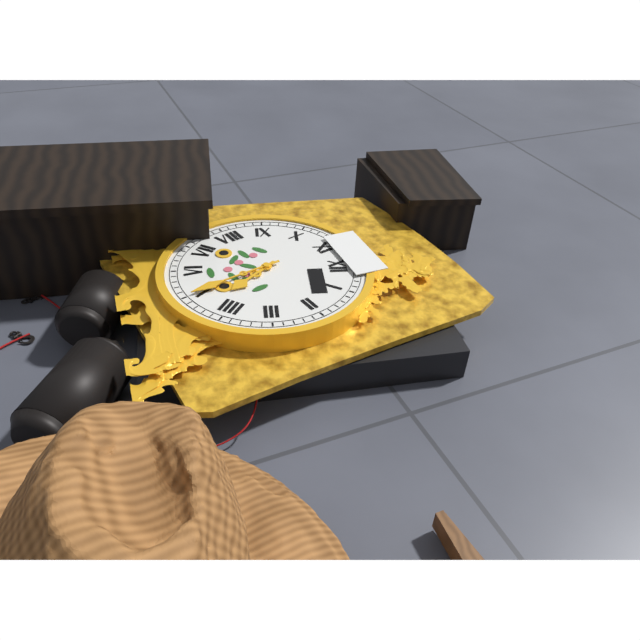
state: 4:25
